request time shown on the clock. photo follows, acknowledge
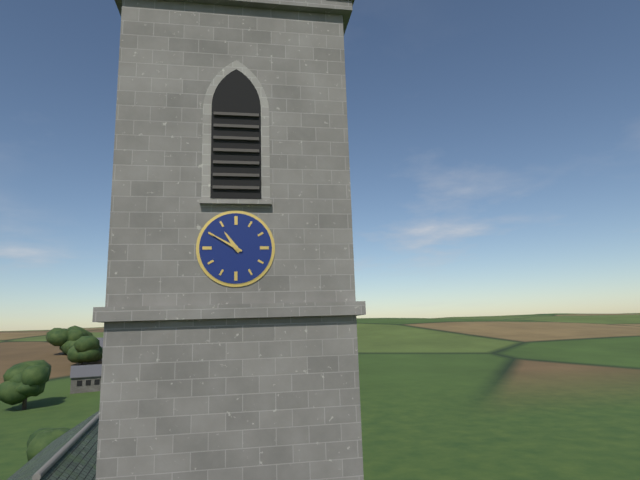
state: 10:50
